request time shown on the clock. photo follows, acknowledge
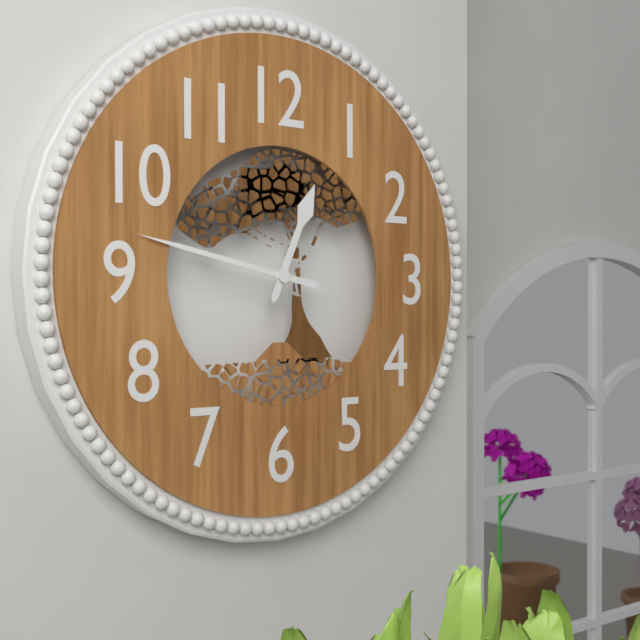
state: 12:47
